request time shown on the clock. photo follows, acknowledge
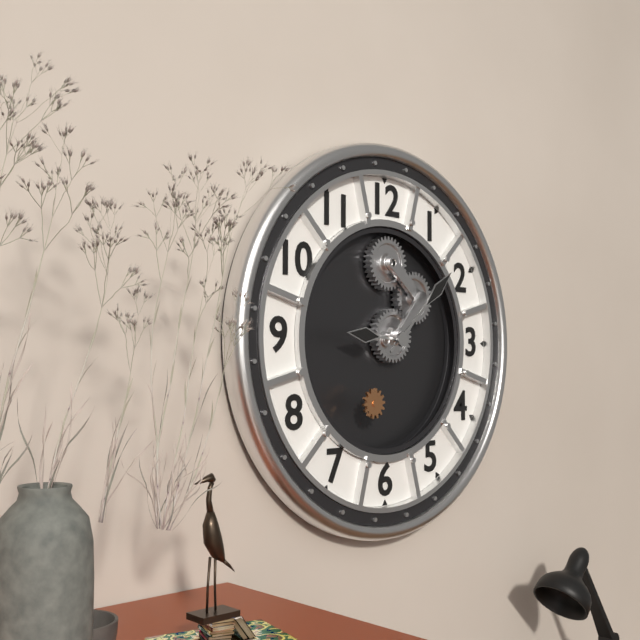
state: 9:08
